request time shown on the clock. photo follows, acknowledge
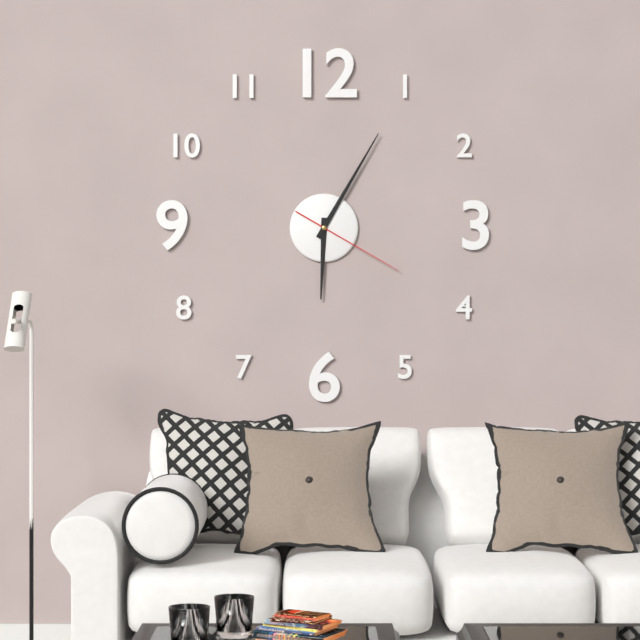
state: 6:05:20
